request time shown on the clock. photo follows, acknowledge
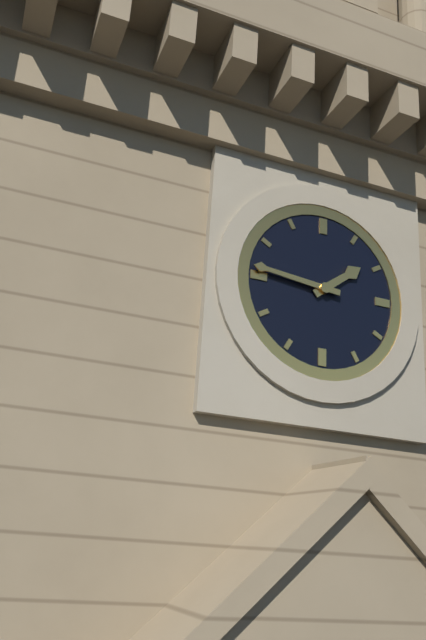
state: 1:46
